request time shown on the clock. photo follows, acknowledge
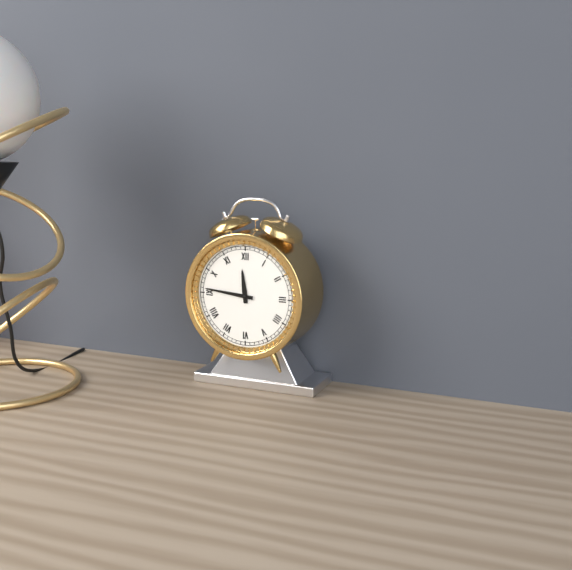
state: 11:46
